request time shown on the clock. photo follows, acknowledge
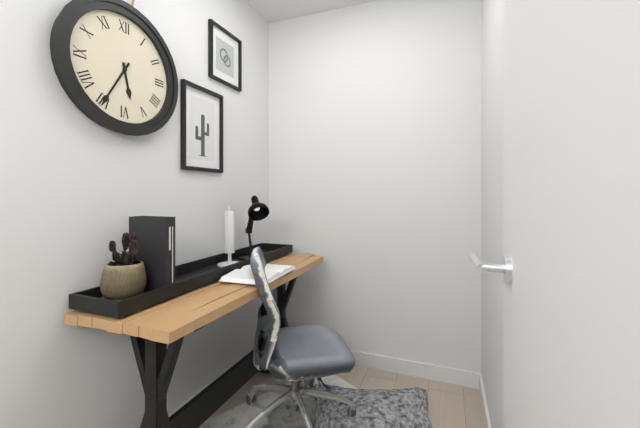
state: 5:35
